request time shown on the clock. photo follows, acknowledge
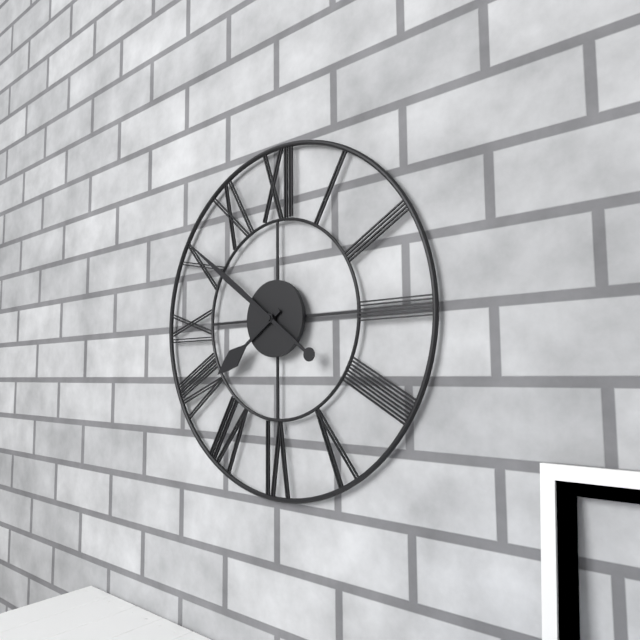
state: 7:51
